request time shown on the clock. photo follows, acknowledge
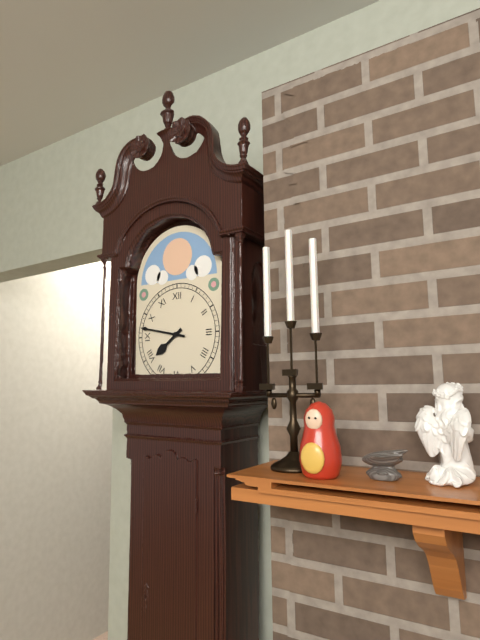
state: 7:47
